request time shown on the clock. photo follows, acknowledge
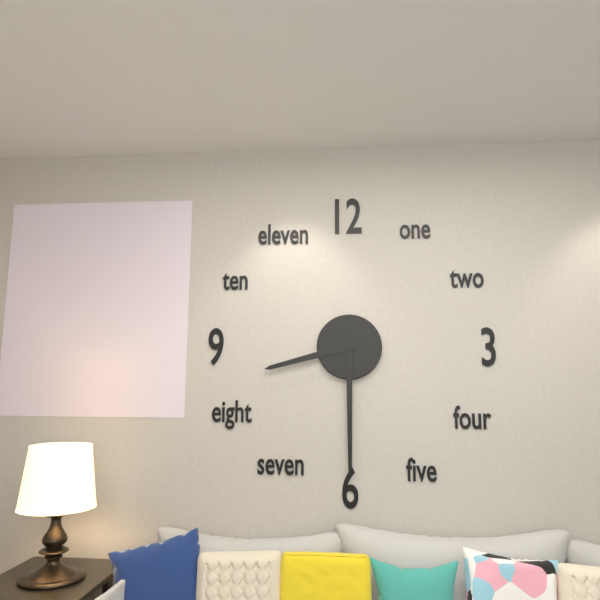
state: 8:30
